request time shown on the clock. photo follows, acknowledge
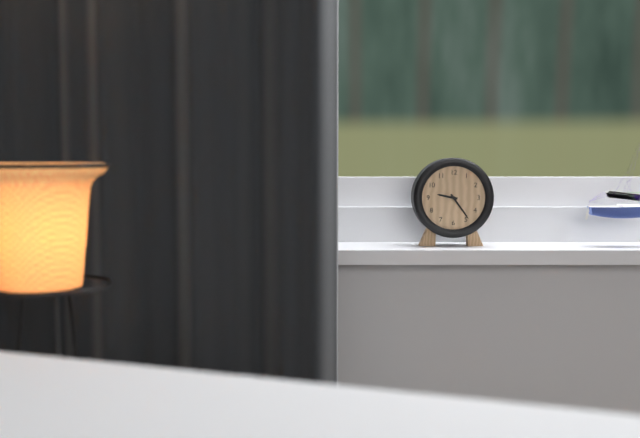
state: 9:24
